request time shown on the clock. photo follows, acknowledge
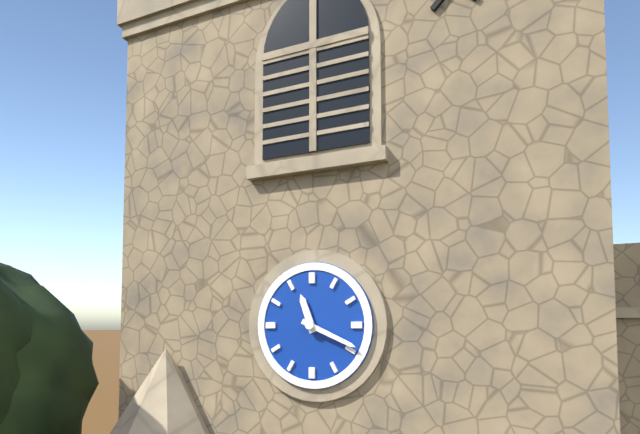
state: 11:19
